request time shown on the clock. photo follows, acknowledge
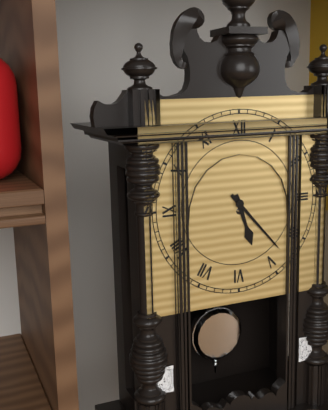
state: 5:23
